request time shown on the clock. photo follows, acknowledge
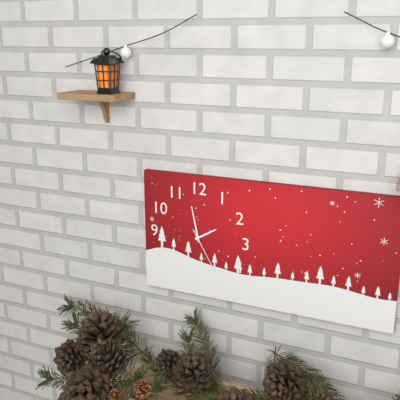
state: 1:58
